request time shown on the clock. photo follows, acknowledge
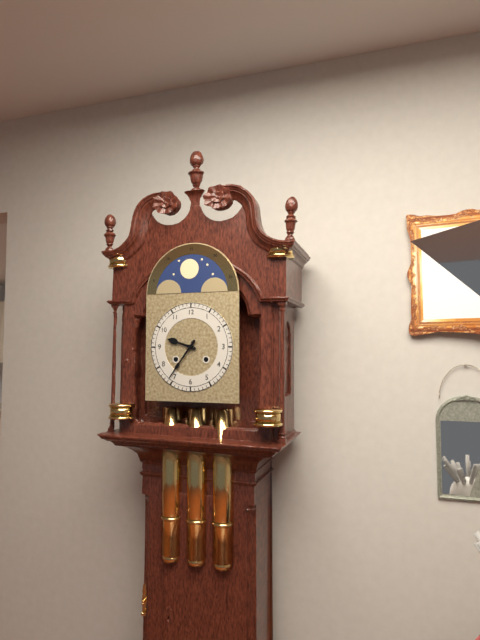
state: 9:36
